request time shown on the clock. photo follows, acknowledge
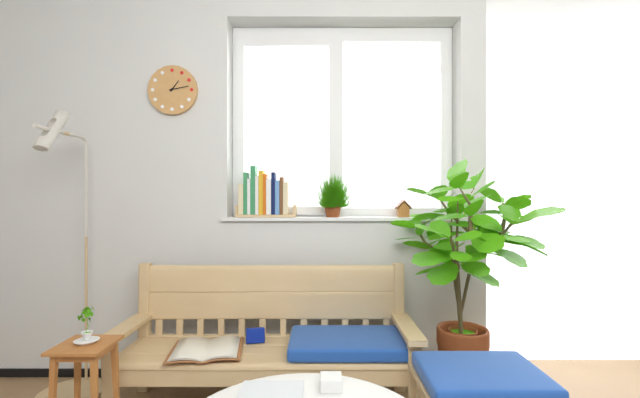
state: 1:13
